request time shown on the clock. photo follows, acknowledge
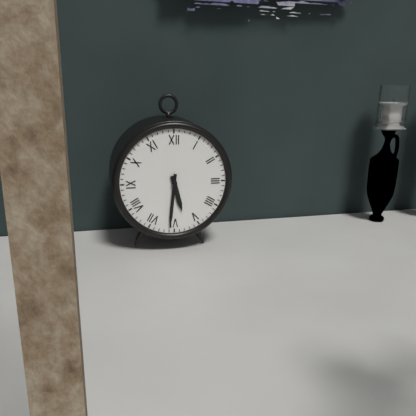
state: 5:31
